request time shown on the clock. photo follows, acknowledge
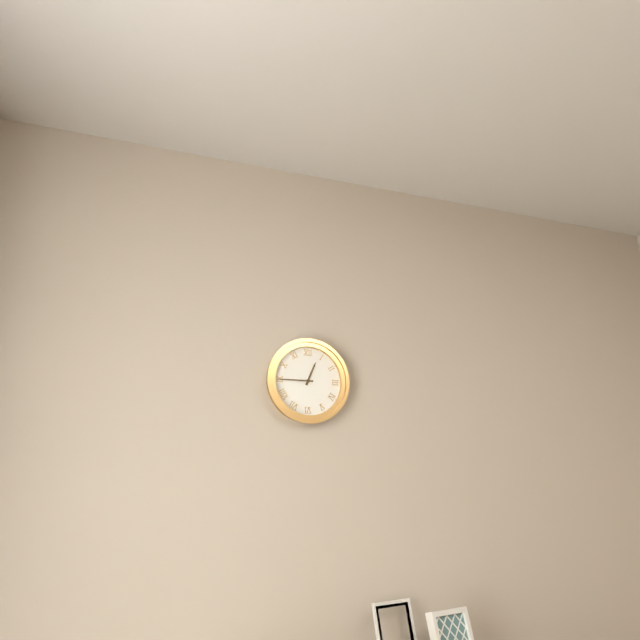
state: 12:45
